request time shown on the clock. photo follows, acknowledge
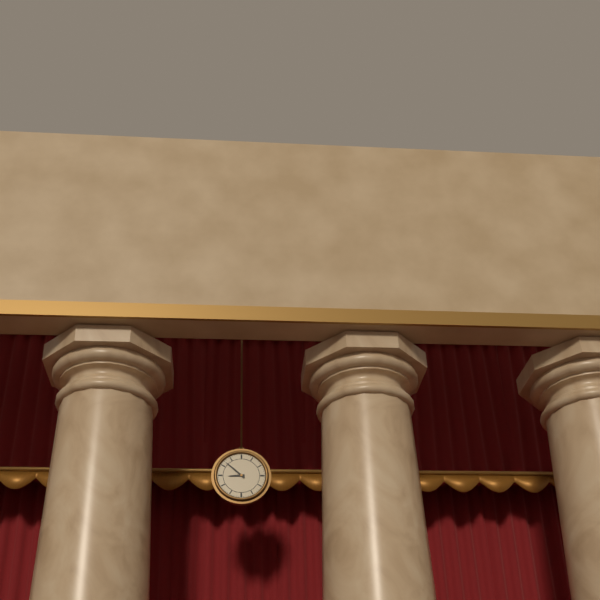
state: 8:52
